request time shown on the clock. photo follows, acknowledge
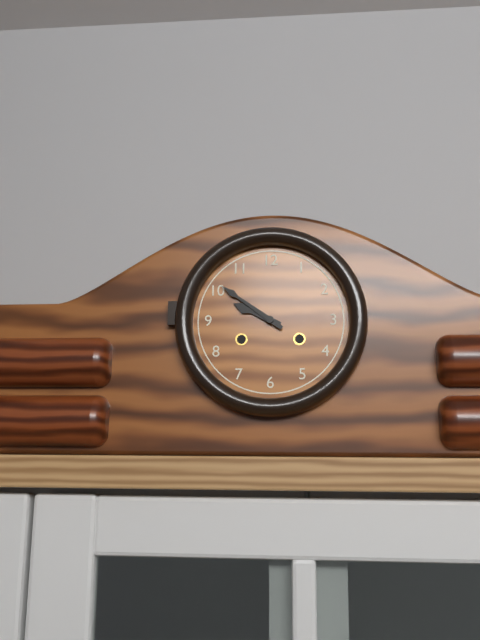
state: 9:51
